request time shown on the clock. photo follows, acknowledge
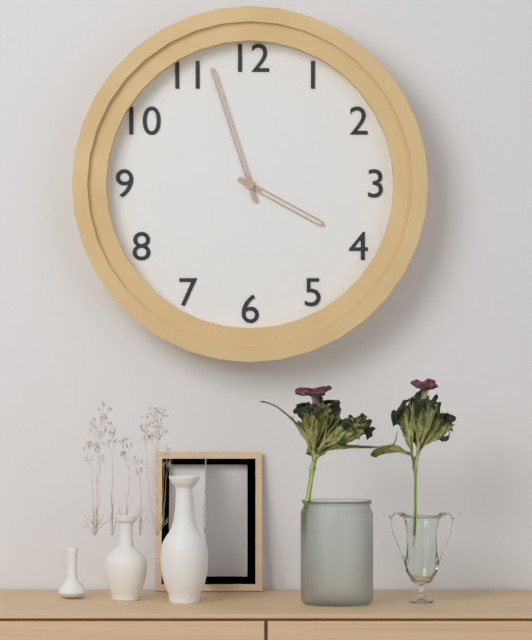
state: 3:57
